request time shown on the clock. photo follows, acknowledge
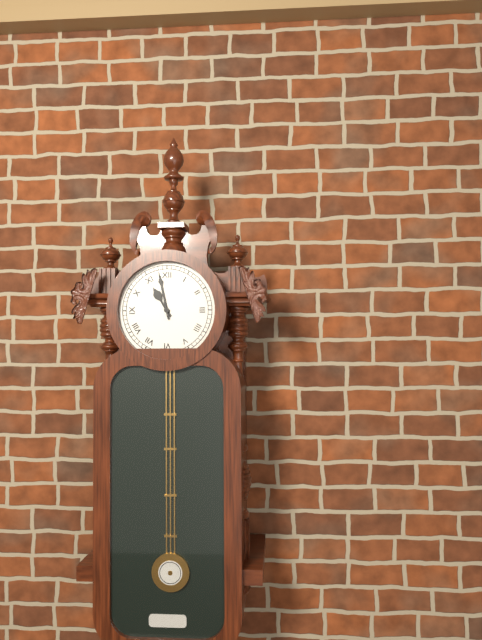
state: 10:58
